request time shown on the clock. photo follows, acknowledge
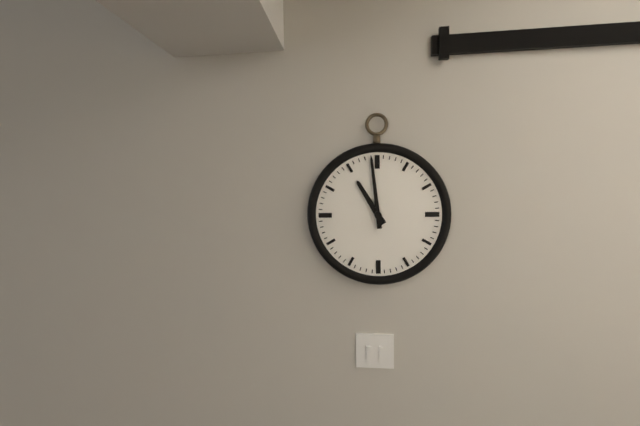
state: 10:59
